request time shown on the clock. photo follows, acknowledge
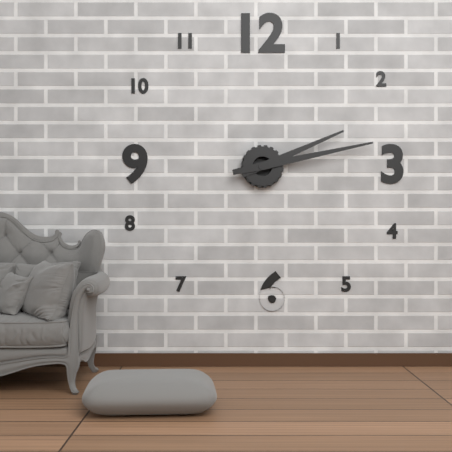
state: 2:13
